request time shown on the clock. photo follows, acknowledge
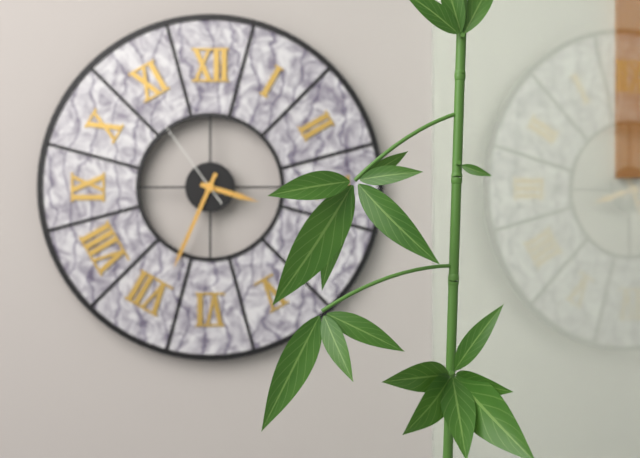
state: 3:34:54
